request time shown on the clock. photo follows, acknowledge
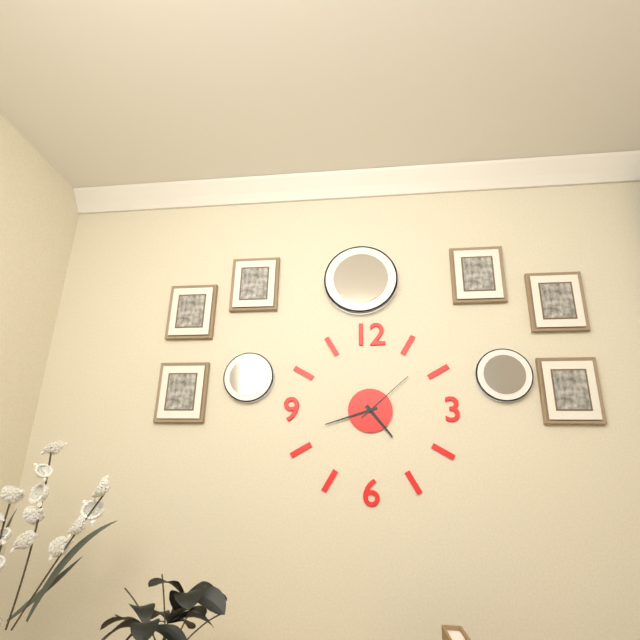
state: 4:42:08
